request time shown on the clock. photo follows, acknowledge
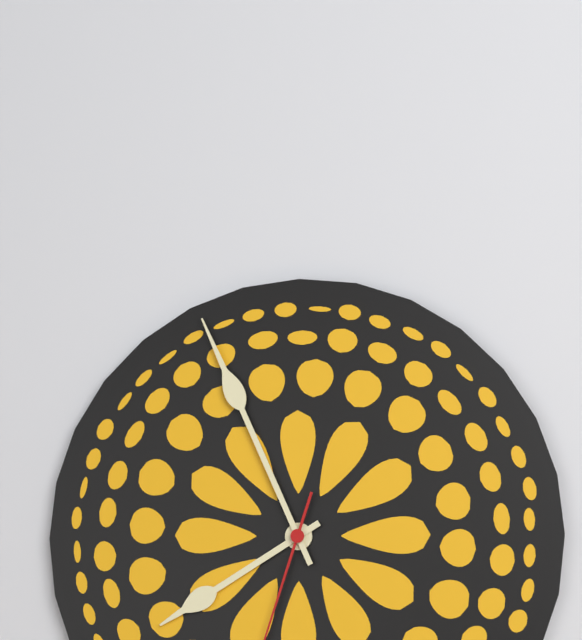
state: 7:56
